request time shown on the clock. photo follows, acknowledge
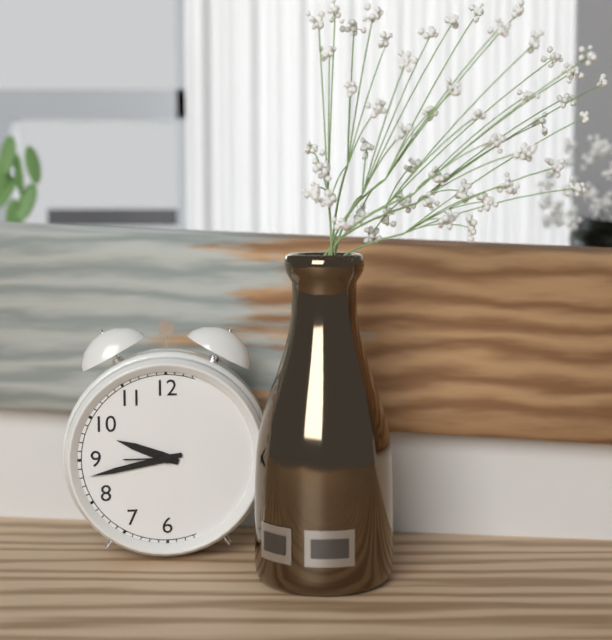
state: 9:43
